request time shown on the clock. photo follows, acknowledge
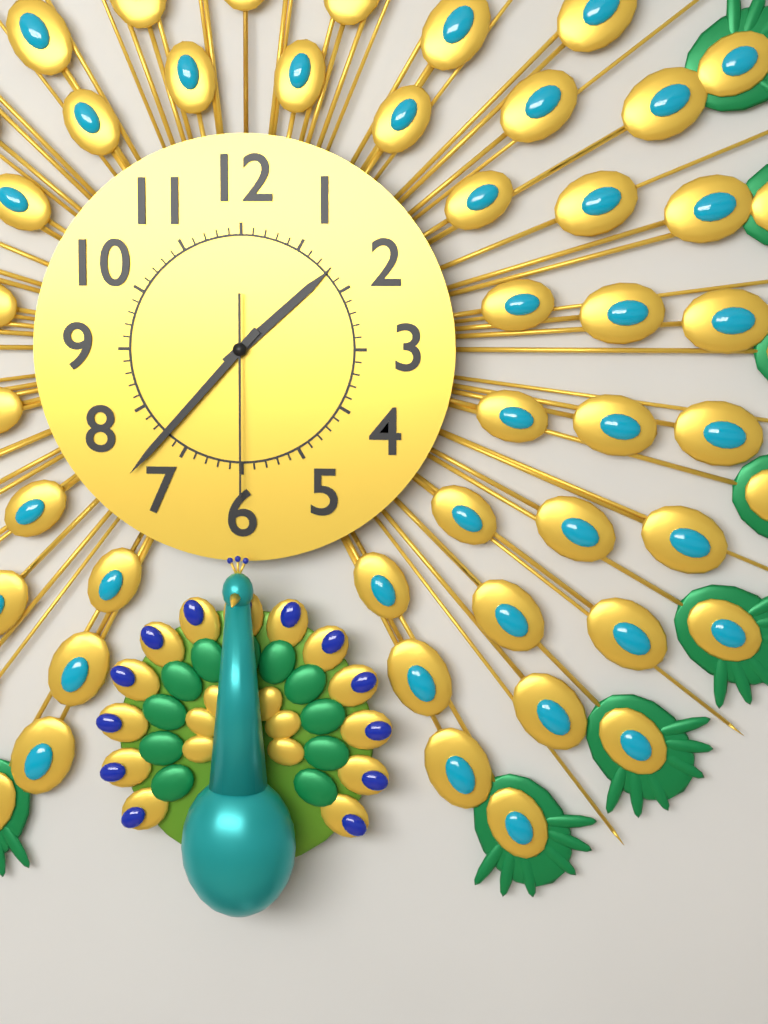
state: 1:37:30
